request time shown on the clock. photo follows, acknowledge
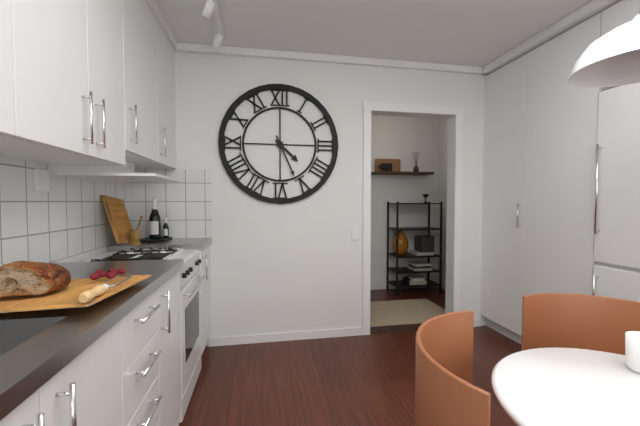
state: 4:26
